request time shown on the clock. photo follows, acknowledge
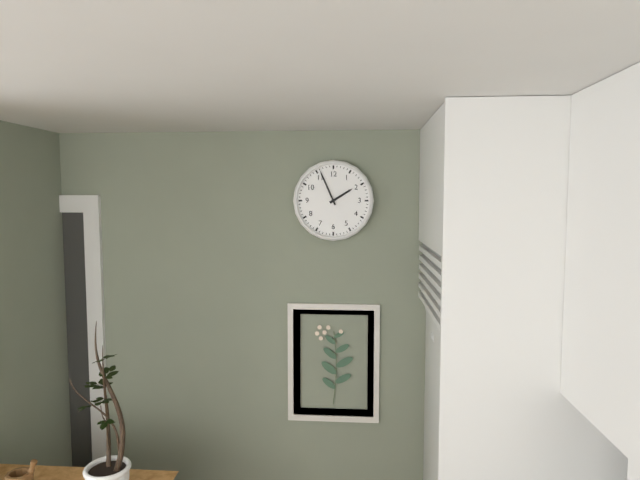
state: 1:56
